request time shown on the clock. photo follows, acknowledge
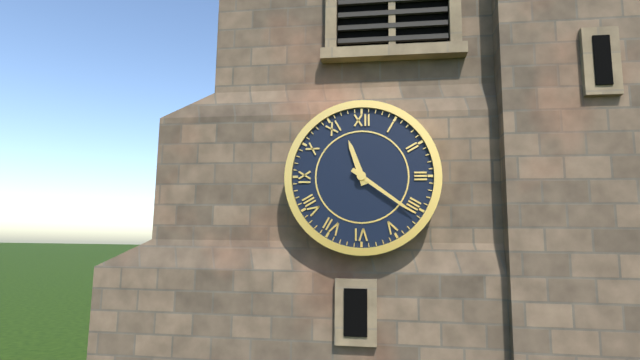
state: 11:21
